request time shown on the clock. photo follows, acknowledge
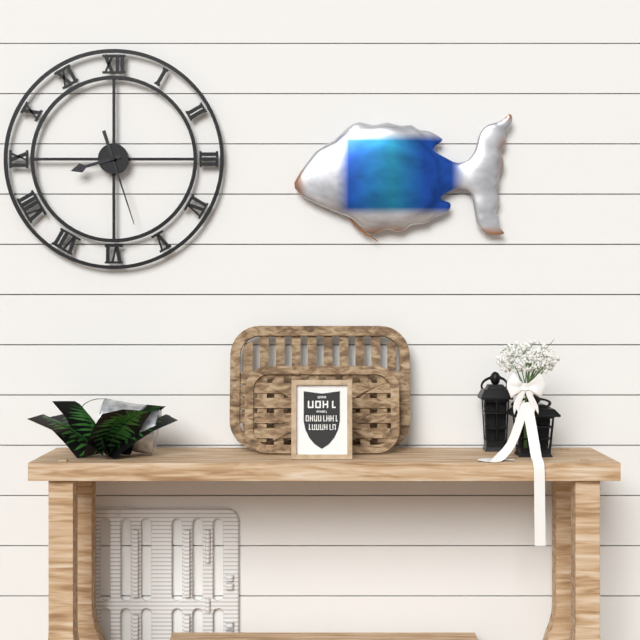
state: 8:27
